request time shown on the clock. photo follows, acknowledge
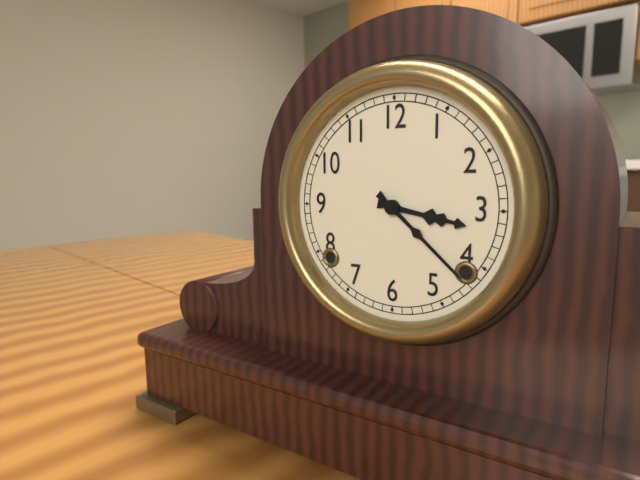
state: 3:22
